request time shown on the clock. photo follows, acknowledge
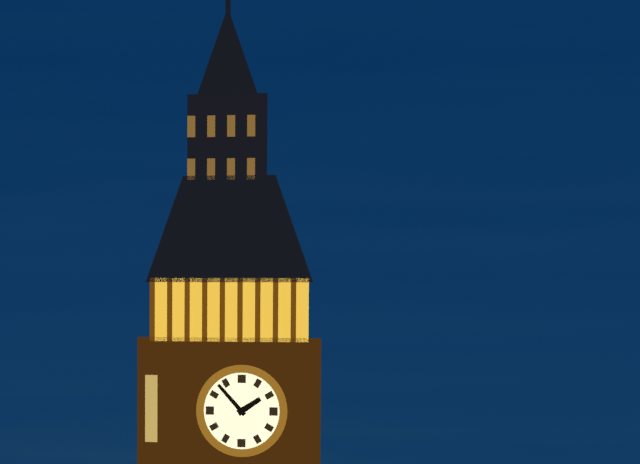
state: 1:53
